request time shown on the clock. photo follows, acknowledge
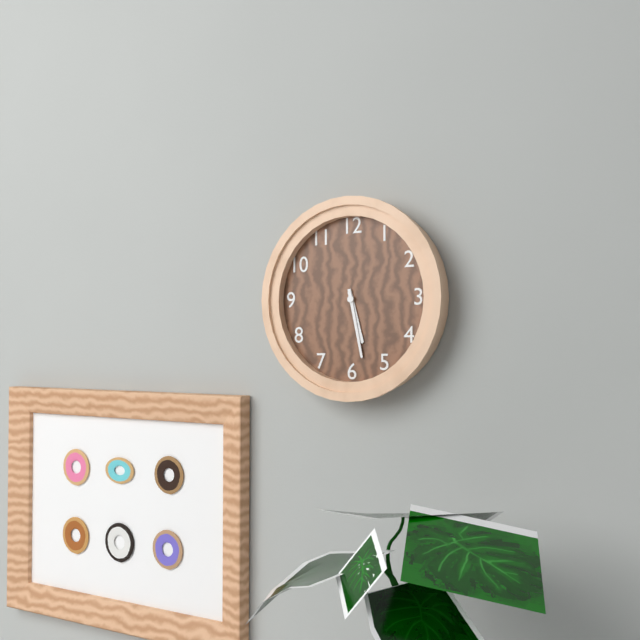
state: 5:28
